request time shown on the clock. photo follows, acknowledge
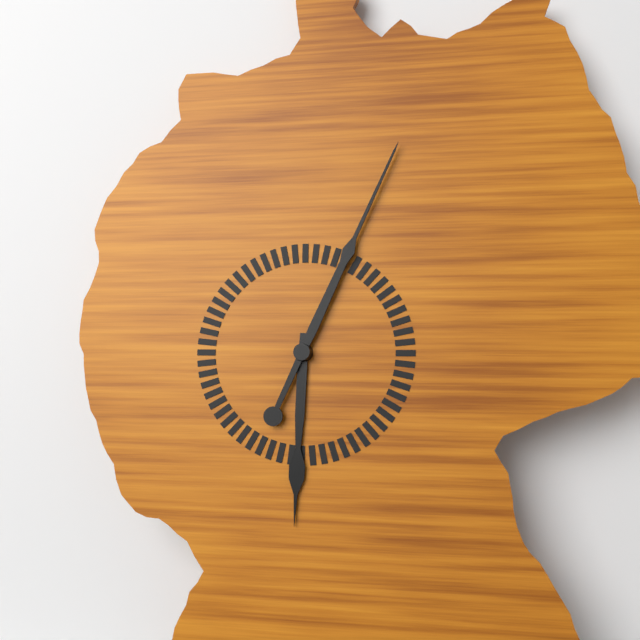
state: 6:04
